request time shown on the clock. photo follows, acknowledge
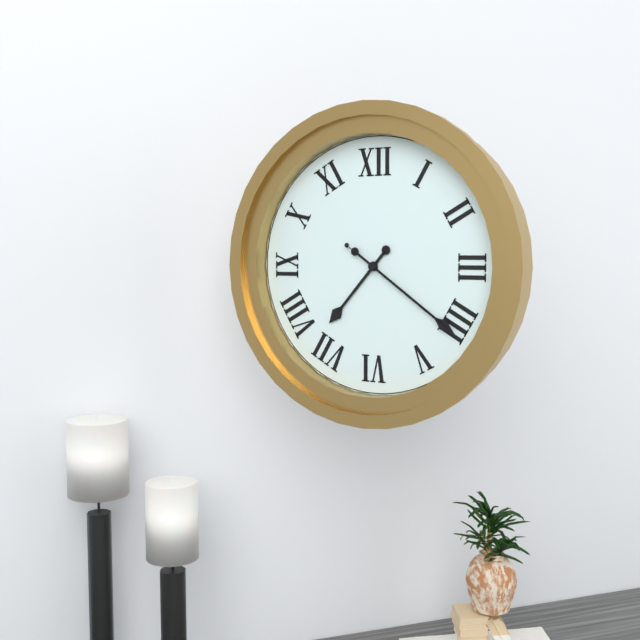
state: 7:21:21
